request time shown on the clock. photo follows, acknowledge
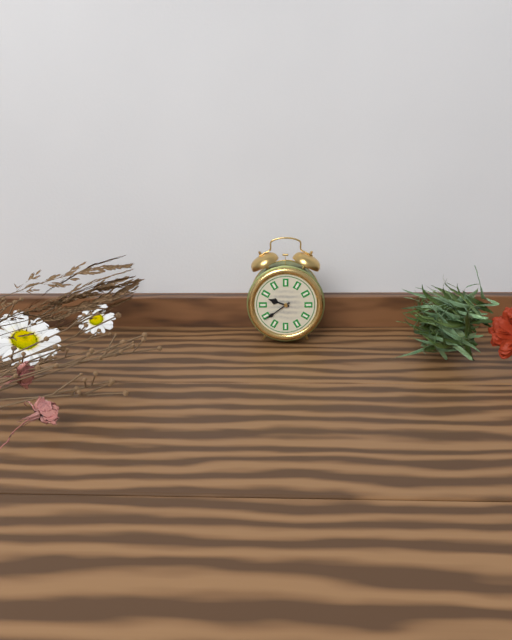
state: 9:39
